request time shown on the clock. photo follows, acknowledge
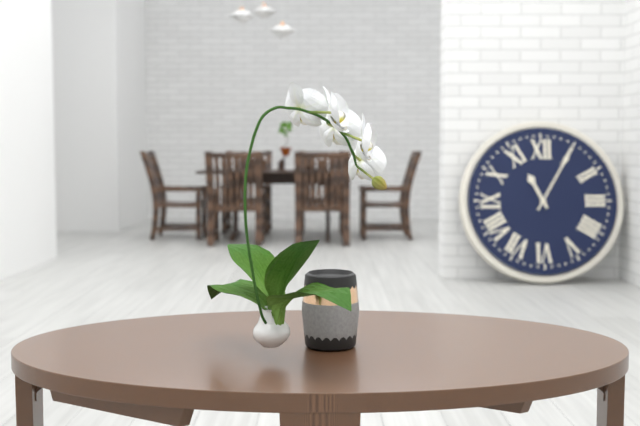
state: 11:05
